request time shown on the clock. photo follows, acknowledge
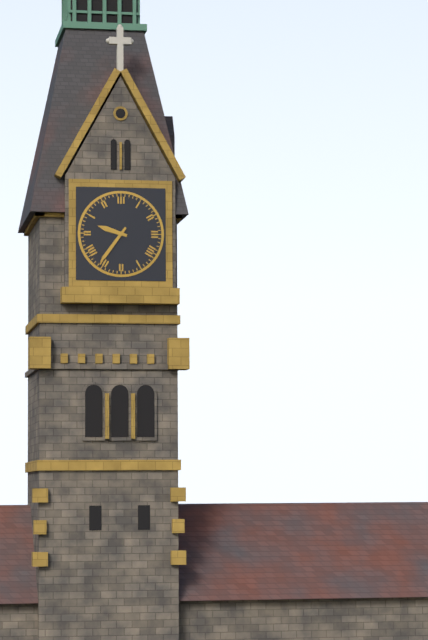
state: 9:36
